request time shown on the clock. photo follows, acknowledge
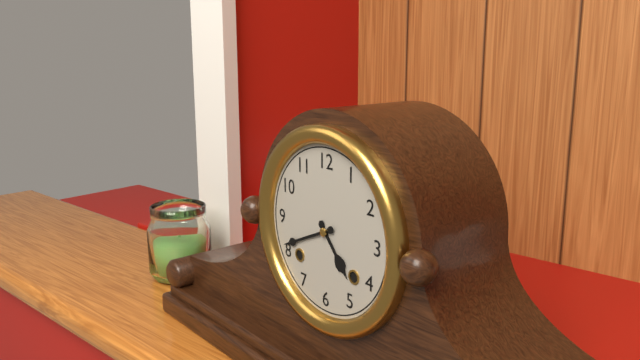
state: 4:41
